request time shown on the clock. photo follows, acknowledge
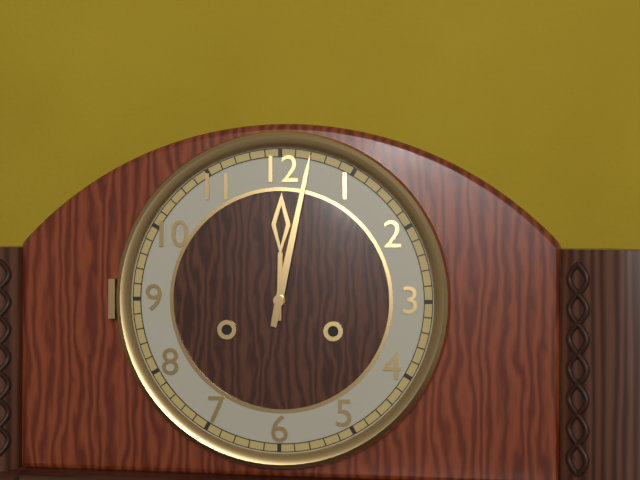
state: 12:02
